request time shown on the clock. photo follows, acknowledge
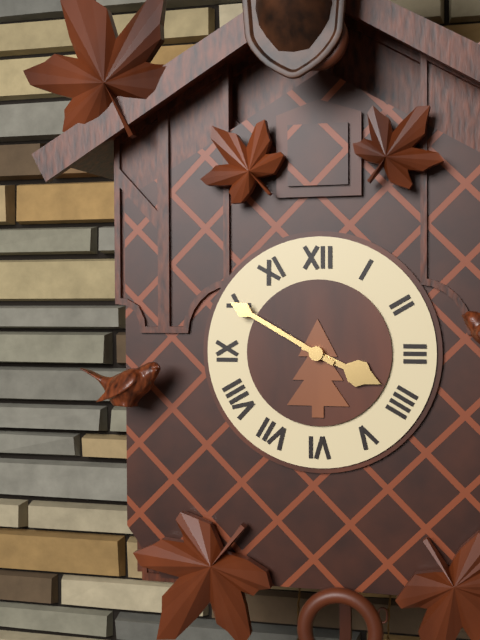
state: 3:50
